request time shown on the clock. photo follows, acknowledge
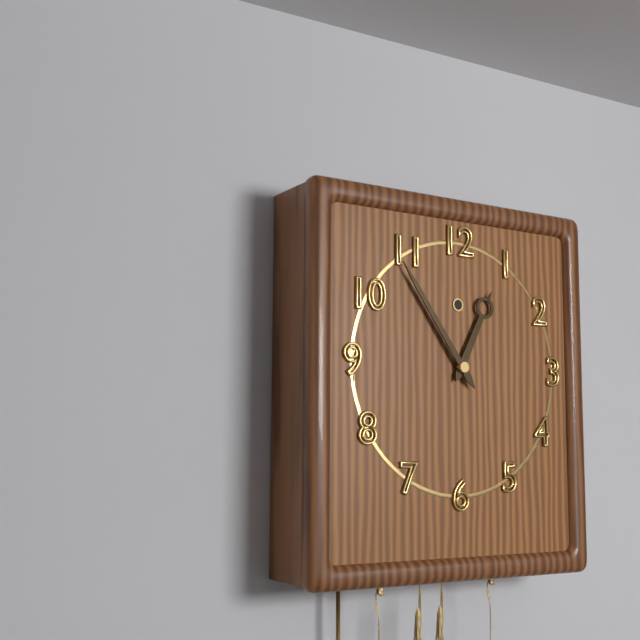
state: 12:54
